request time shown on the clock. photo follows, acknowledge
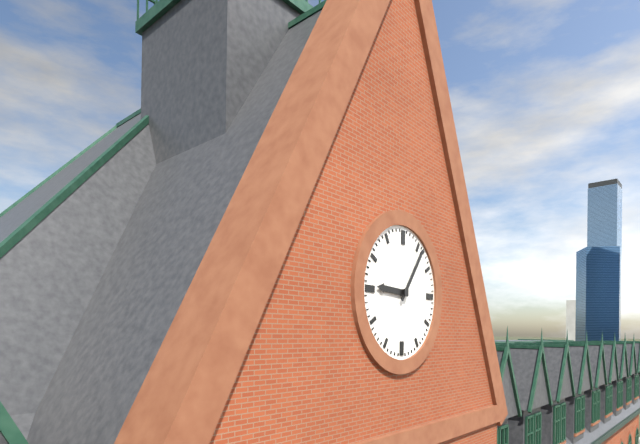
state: 9:06
